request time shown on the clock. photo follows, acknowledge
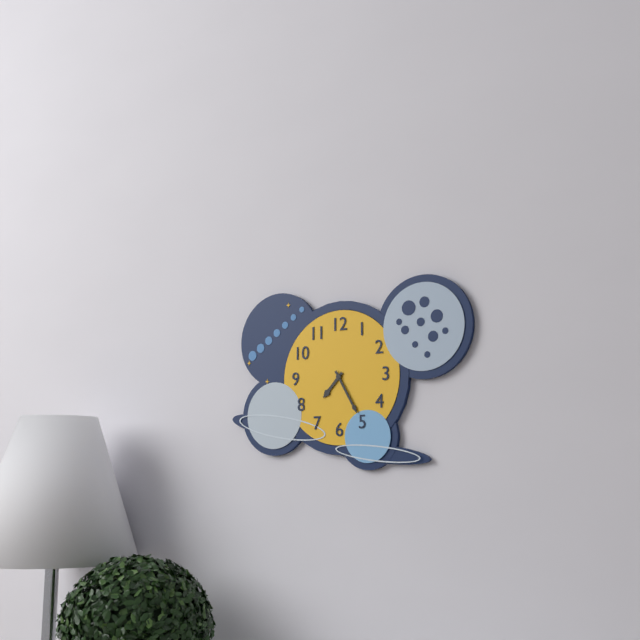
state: 7:25
